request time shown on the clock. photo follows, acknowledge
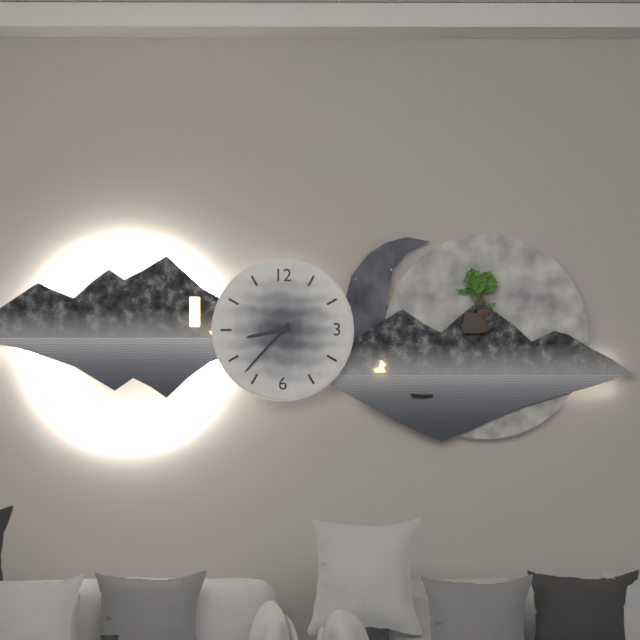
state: 8:37
